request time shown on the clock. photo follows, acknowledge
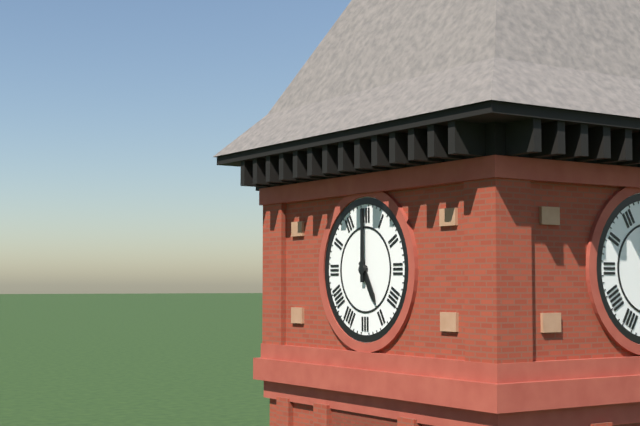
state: 5:00
